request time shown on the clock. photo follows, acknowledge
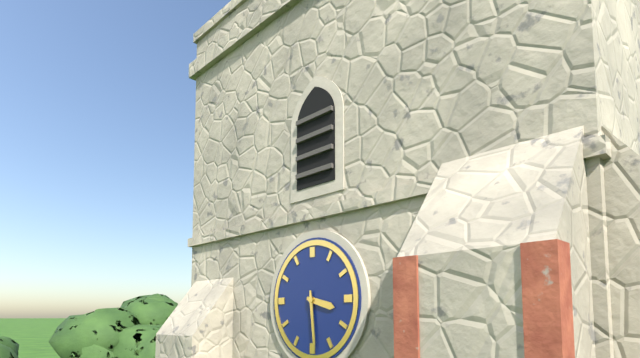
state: 3:29
